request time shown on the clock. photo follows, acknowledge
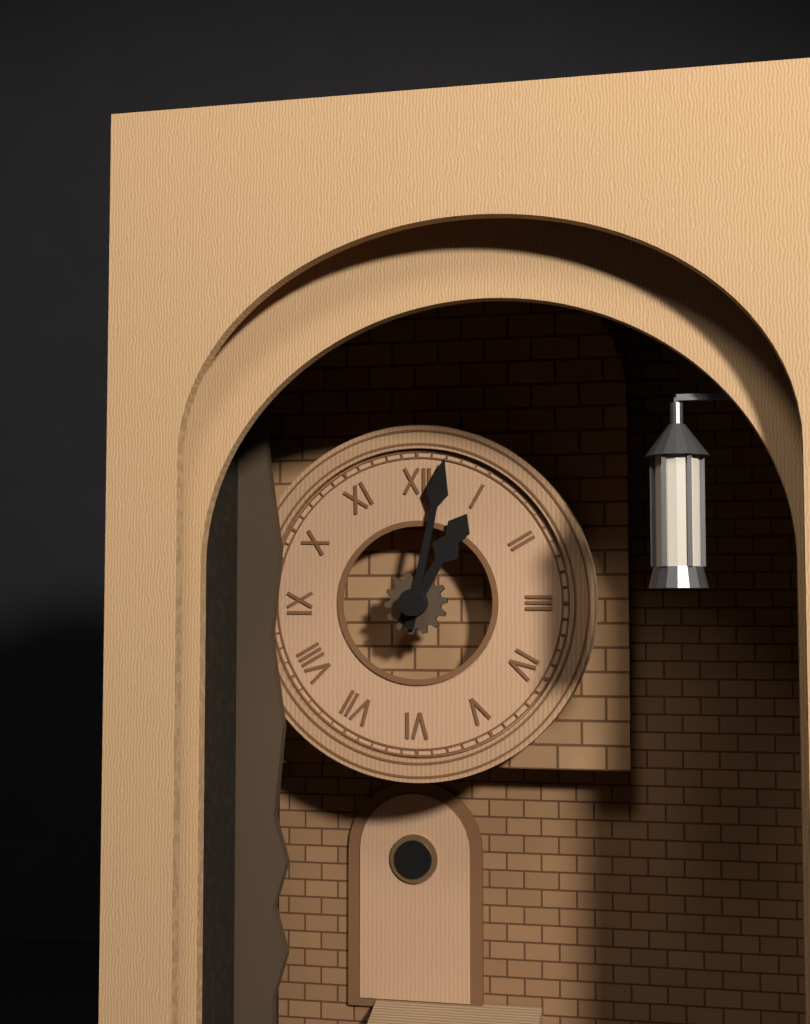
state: 1:02
